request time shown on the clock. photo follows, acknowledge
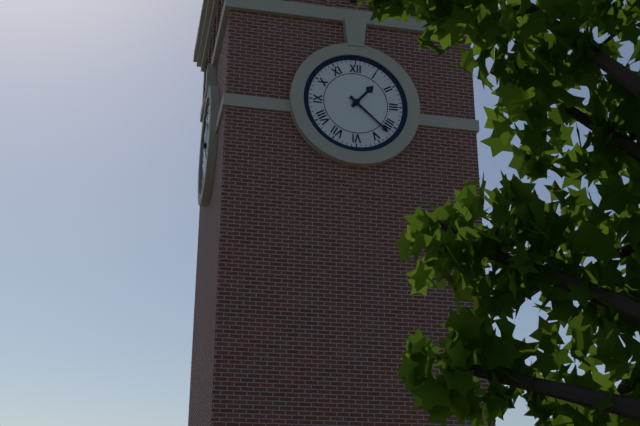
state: 1:22
